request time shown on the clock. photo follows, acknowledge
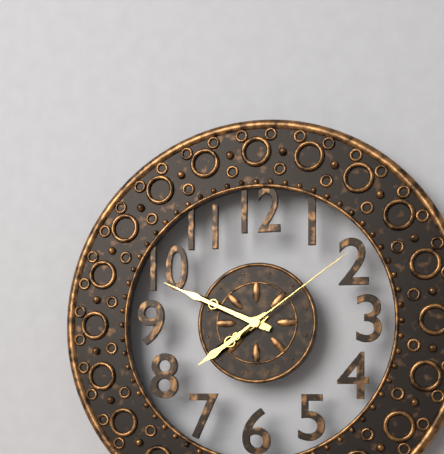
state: 7:49:09
